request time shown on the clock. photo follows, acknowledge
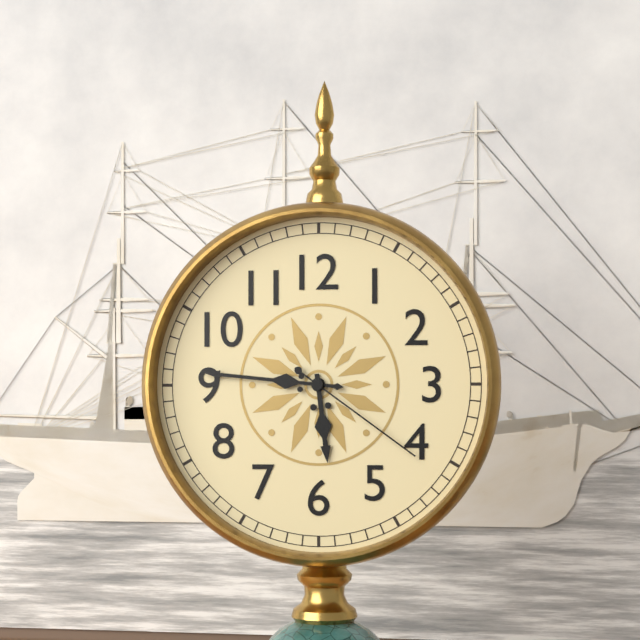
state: 5:46:21
